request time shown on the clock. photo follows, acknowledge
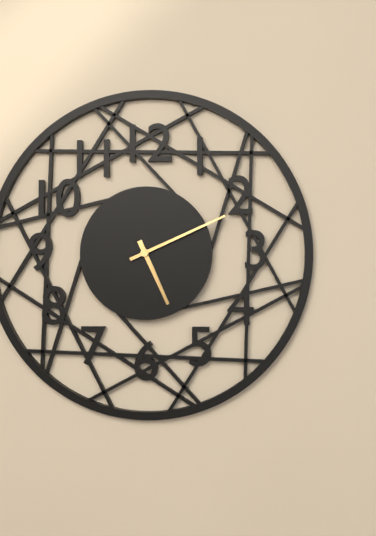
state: 5:11
